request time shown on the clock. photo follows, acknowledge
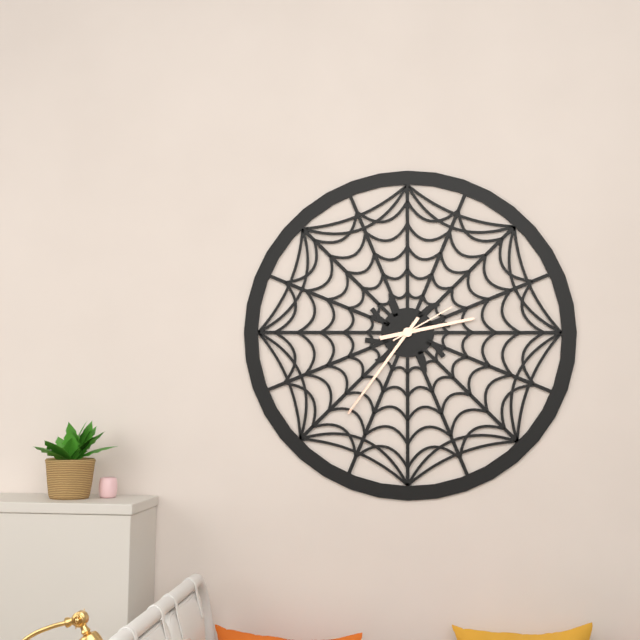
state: 2:36:10
